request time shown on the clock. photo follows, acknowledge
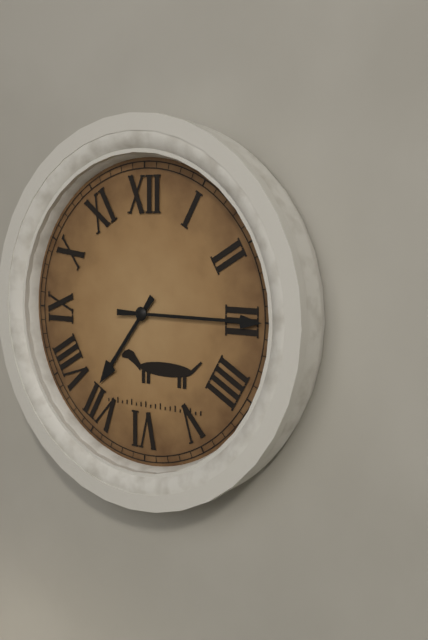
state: 7:15
